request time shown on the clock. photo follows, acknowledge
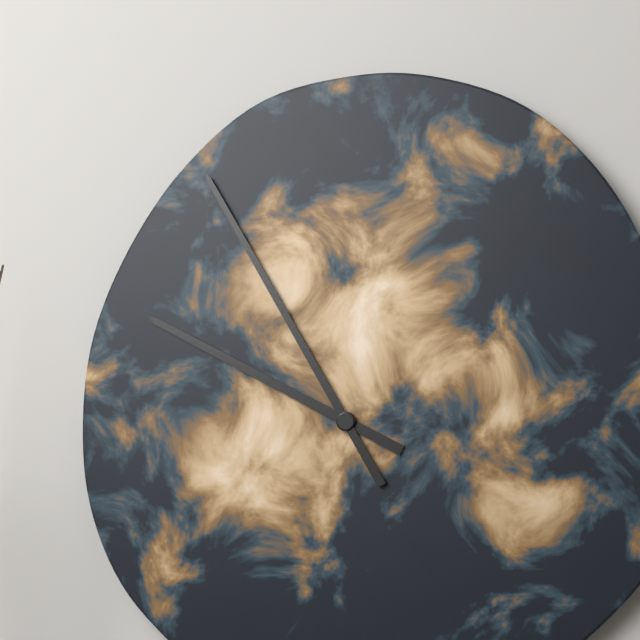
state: 9:55
